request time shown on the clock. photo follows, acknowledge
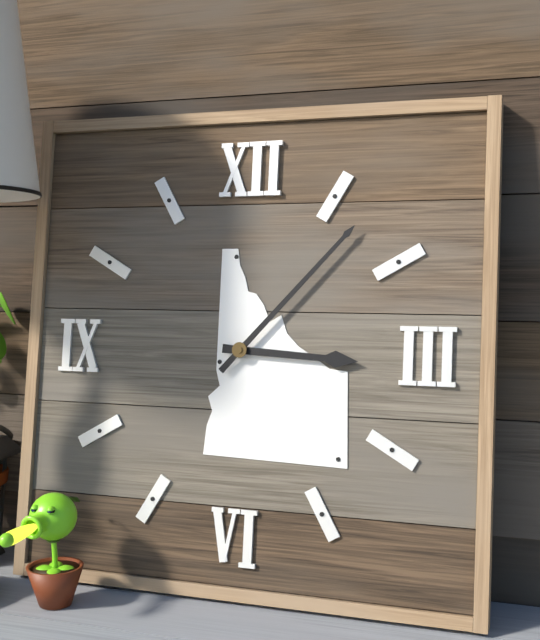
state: 3:07
